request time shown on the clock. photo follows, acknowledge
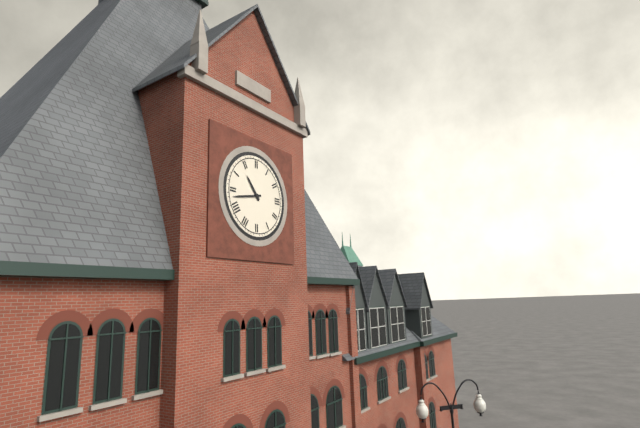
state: 10:43
